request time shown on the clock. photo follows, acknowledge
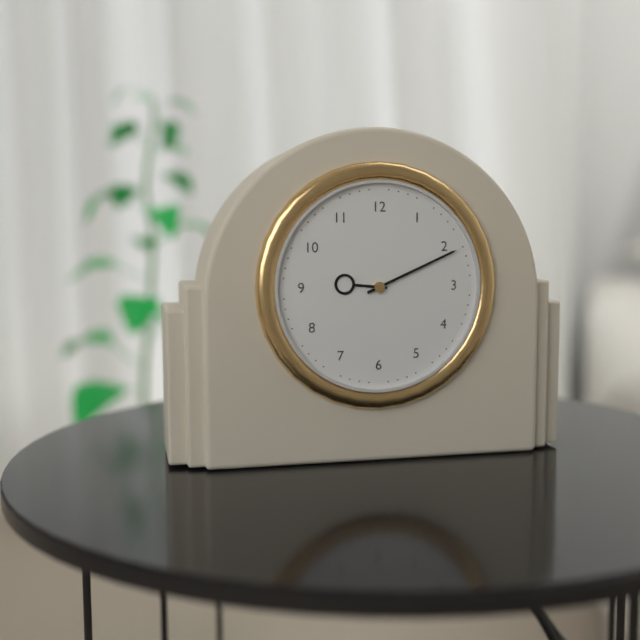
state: 9:11
